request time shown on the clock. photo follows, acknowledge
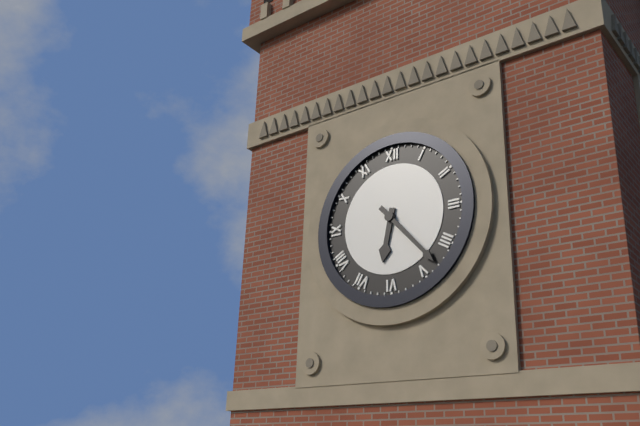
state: 6:23
